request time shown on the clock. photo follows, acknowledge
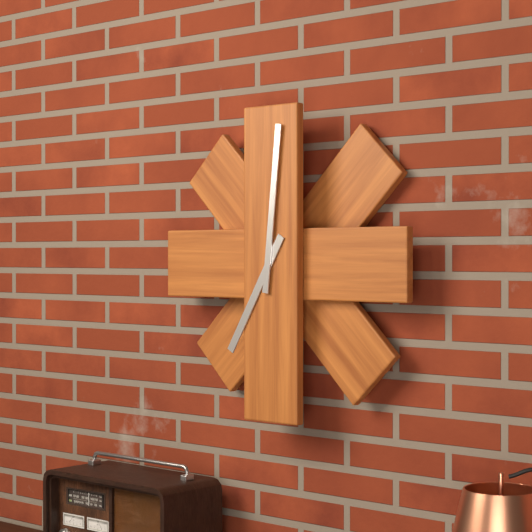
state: 7:01
